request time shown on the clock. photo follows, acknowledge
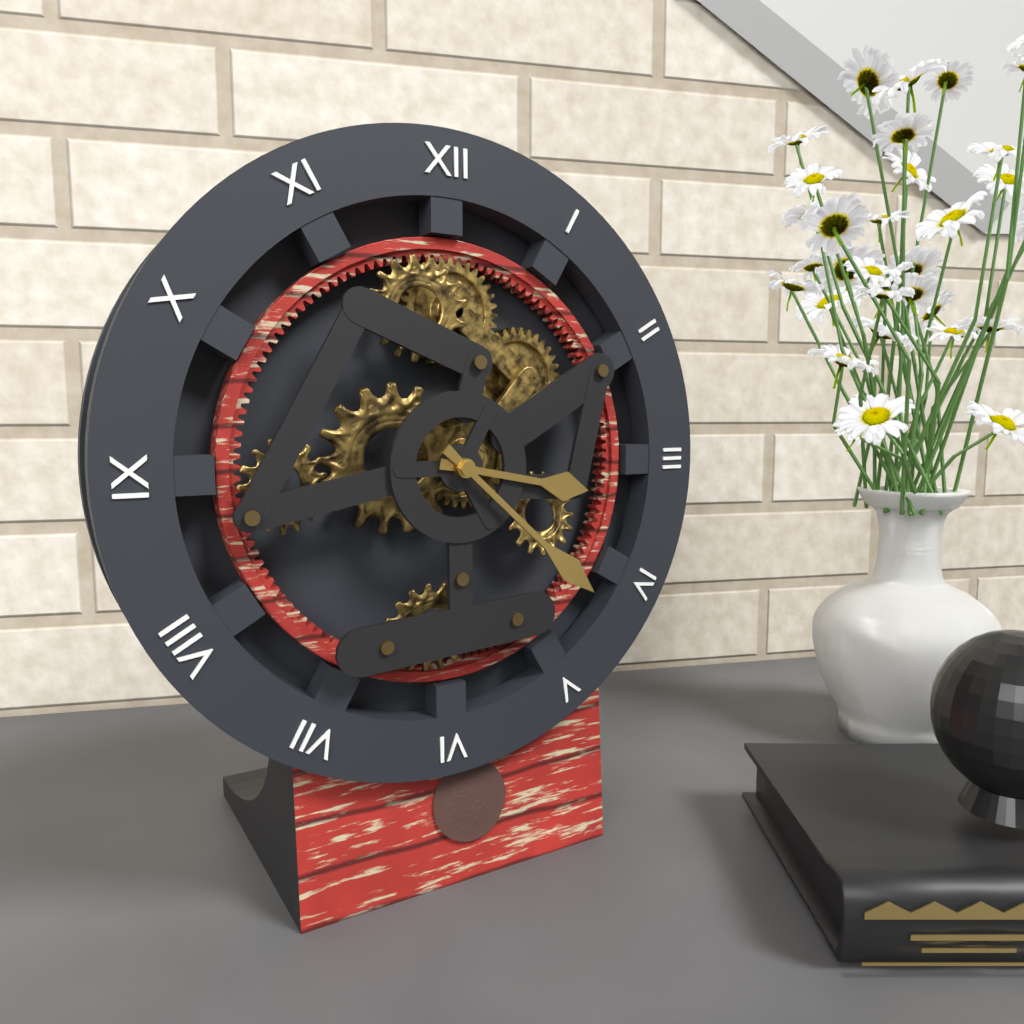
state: 3:22
